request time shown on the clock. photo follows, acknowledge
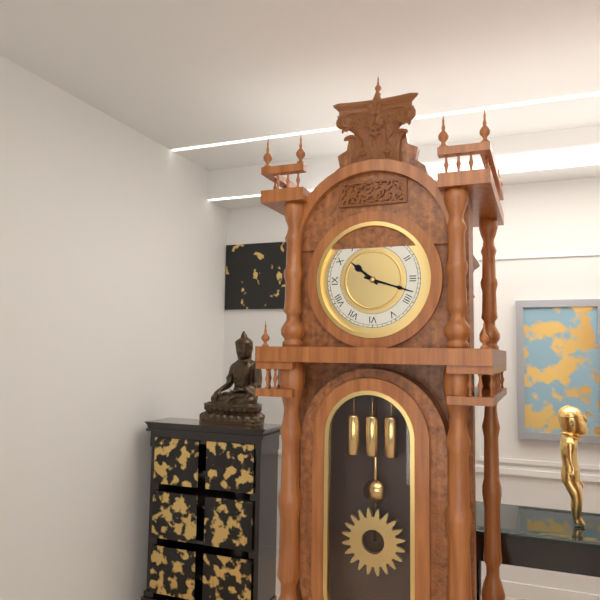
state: 10:18
